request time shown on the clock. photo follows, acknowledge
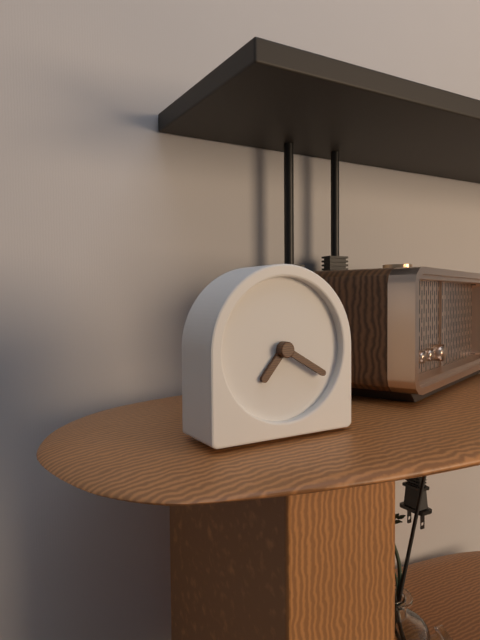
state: 7:20
